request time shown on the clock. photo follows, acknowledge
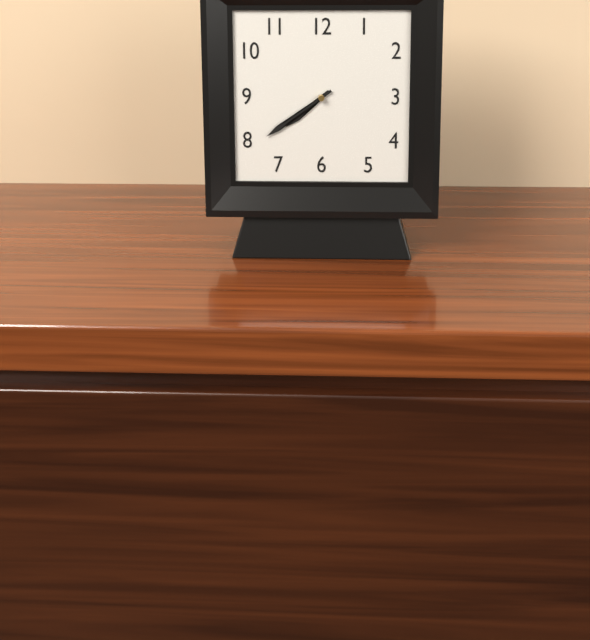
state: 7:39
